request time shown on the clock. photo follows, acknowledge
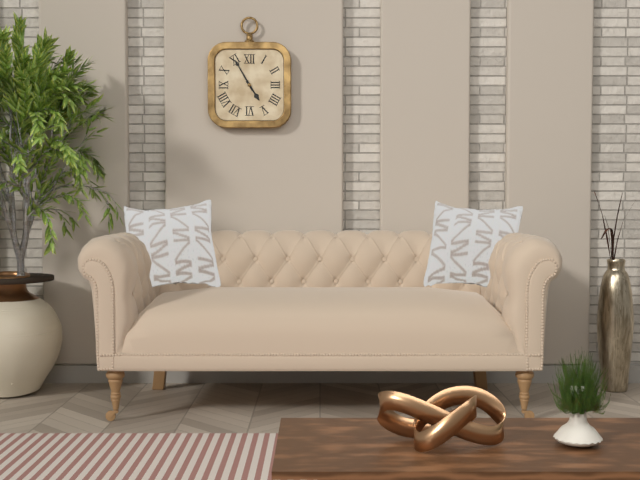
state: 4:55
